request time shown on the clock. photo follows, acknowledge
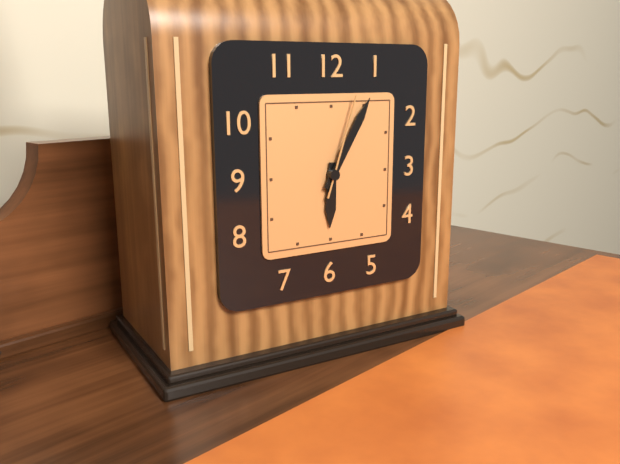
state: 6:05:03
